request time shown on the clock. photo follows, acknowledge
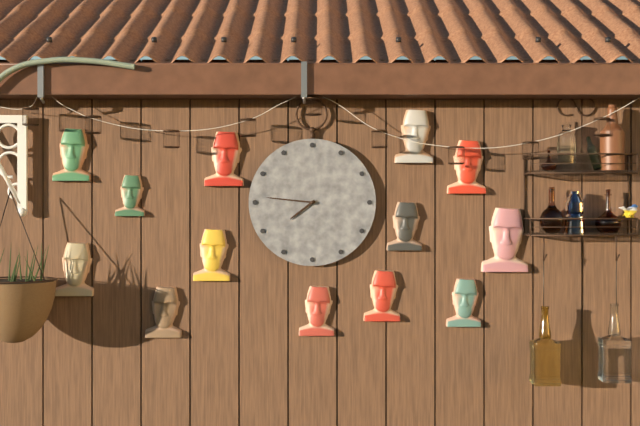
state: 7:46
